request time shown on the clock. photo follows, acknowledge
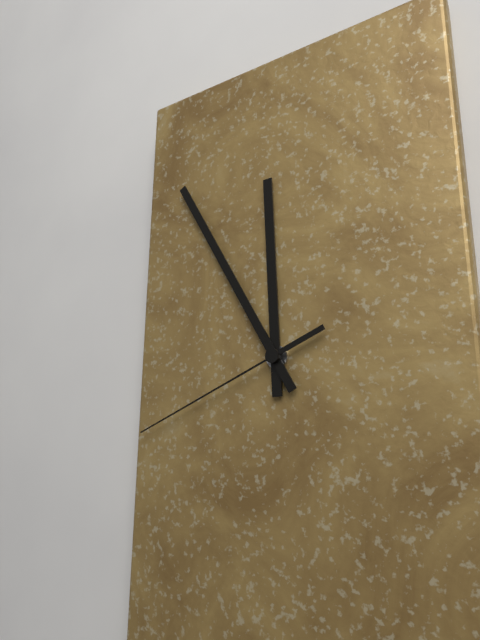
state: 11:55:41
